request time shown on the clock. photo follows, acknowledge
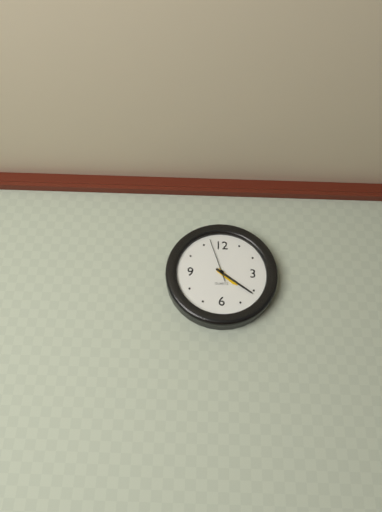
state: 4:21
